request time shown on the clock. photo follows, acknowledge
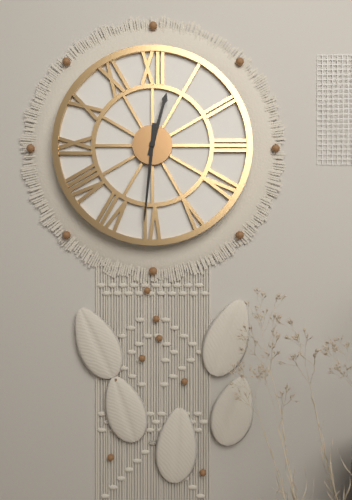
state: 12:31
